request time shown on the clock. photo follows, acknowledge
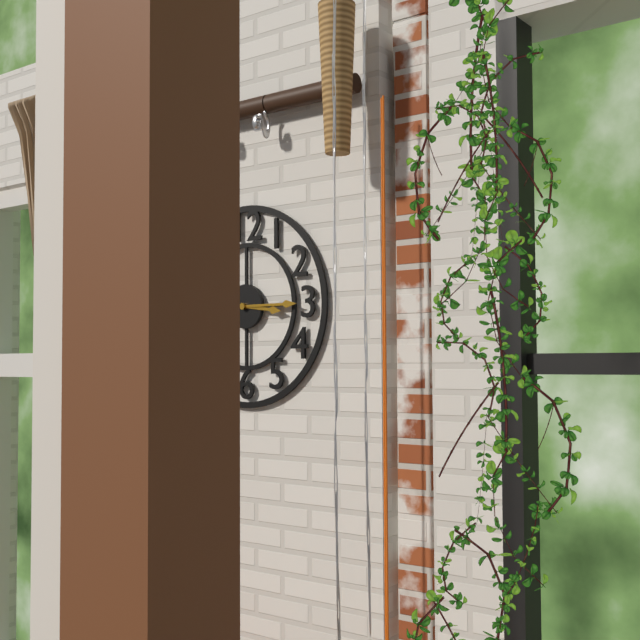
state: 3:15
